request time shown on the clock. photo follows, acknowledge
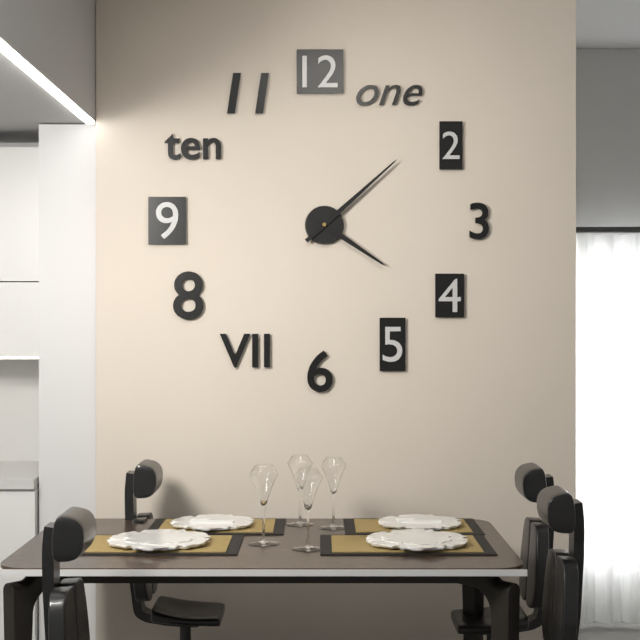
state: 4:08
